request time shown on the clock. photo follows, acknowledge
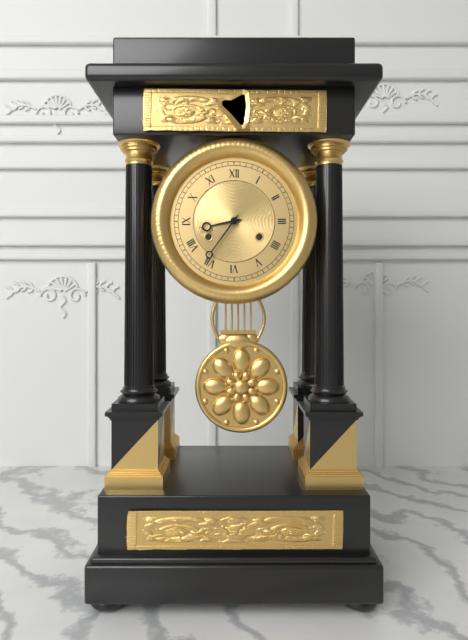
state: 8:36
